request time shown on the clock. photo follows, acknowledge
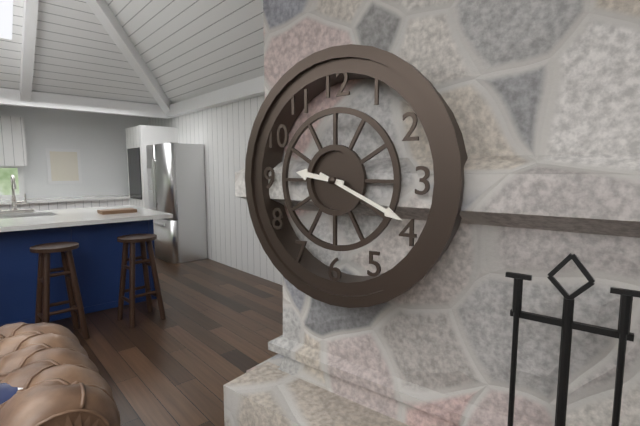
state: 9:19
